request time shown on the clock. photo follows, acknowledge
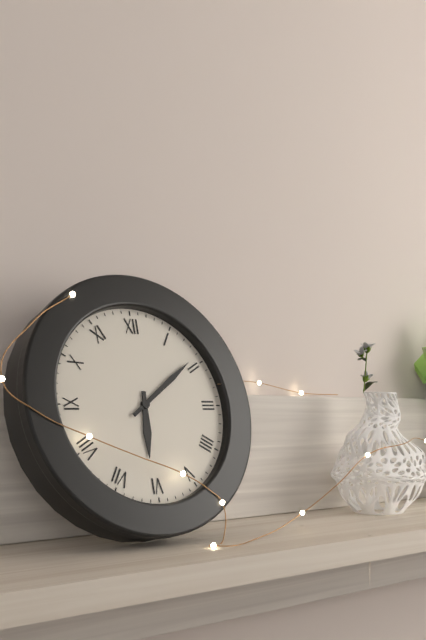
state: 6:09
